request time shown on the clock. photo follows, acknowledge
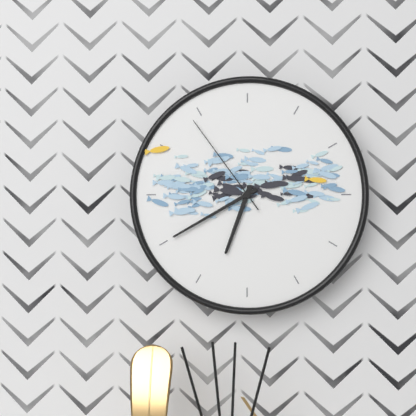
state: 6:40:54
